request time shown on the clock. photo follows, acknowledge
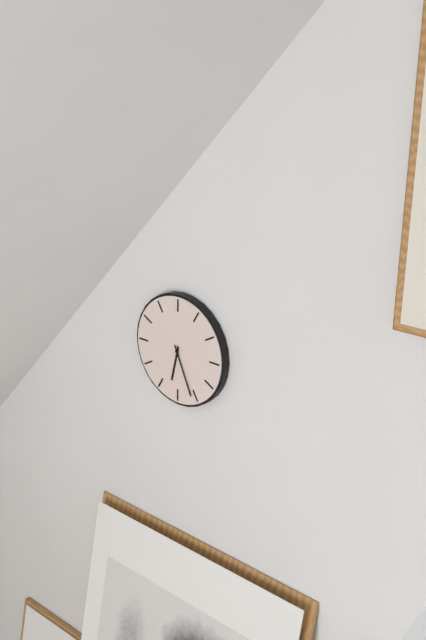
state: 6:26
